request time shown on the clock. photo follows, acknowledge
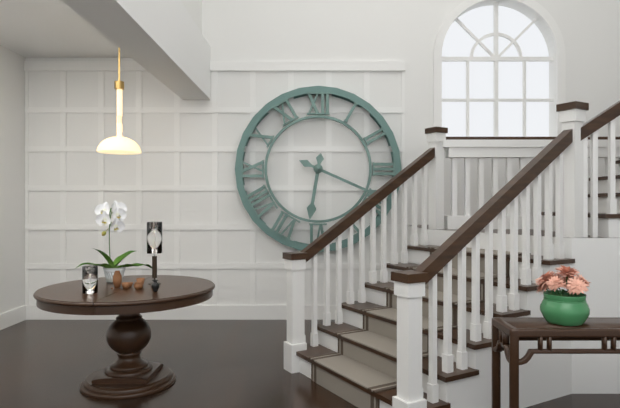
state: 6:19
